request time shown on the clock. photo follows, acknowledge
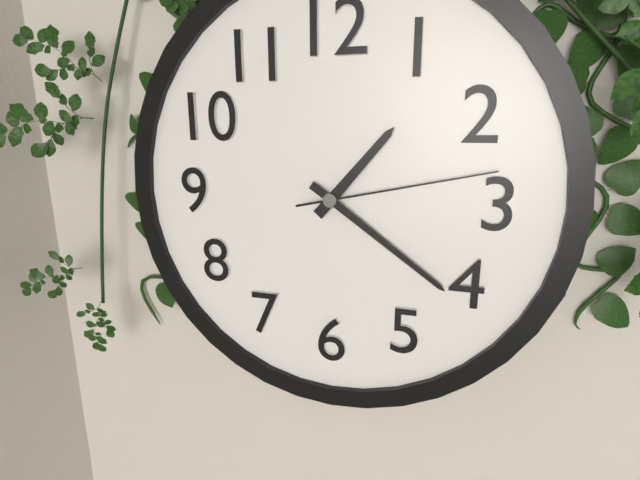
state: 1:21:13
